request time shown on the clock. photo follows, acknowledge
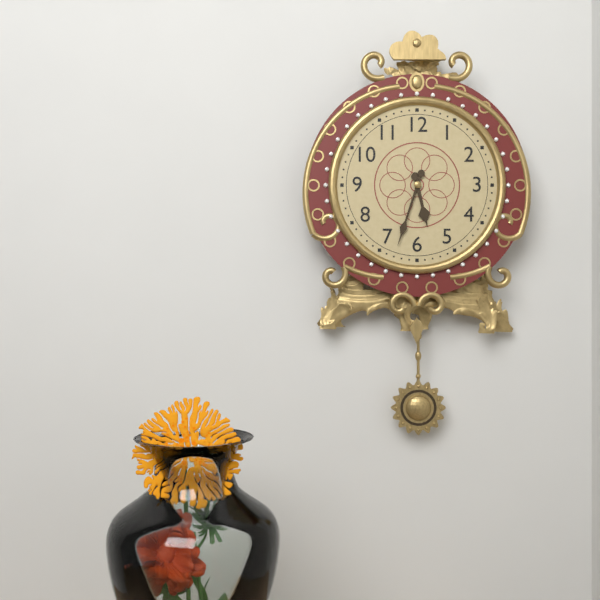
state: 5:33
